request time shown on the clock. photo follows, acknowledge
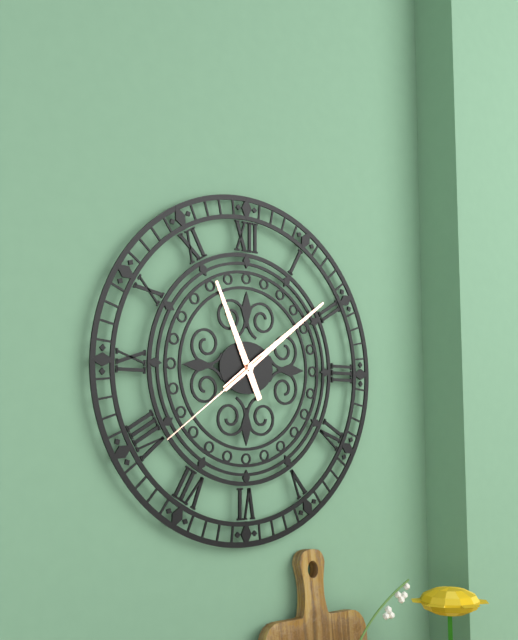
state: 11:09:39
